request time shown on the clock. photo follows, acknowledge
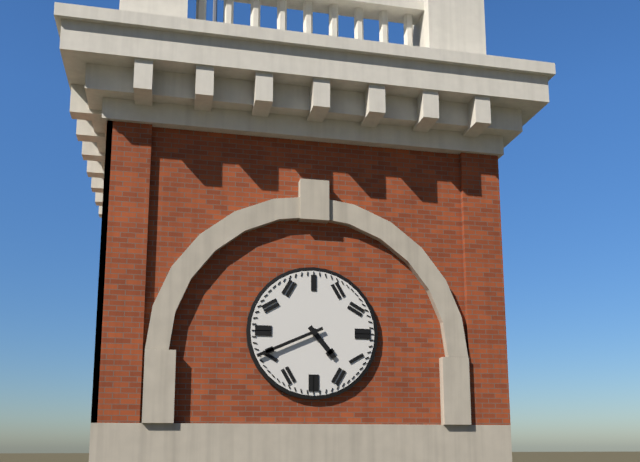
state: 4:41
